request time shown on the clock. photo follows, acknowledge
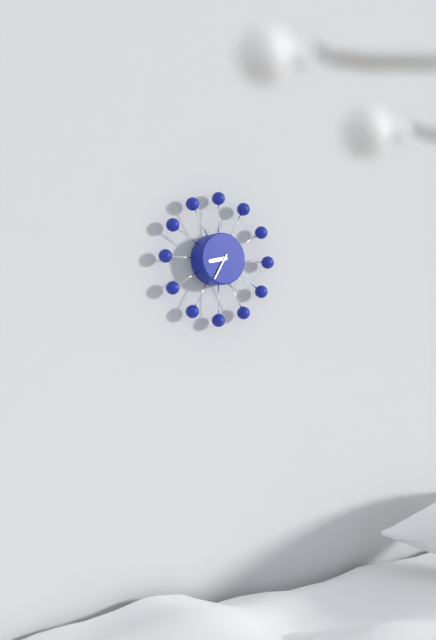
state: 8:35
